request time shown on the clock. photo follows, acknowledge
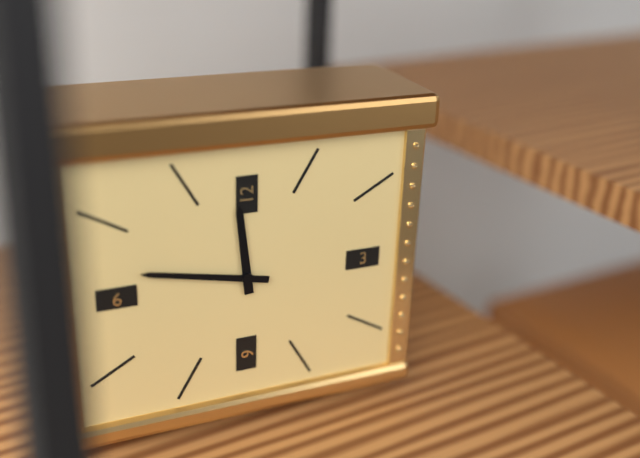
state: 11:47
